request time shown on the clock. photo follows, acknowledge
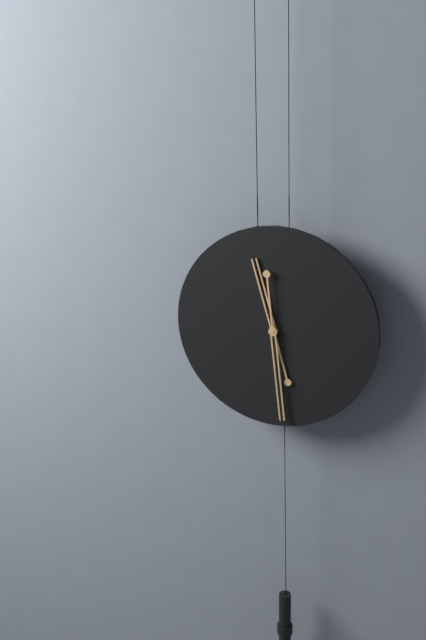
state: 11:29
